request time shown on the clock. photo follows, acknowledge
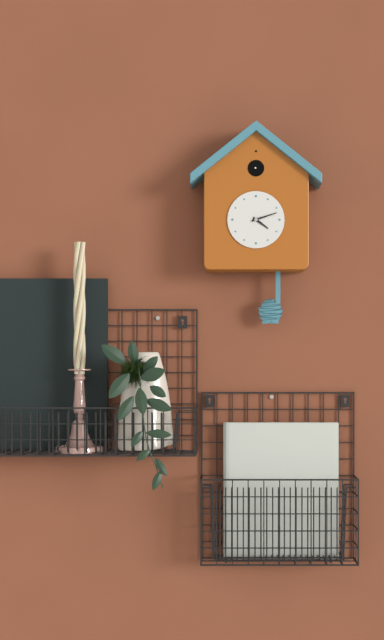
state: 4:12
